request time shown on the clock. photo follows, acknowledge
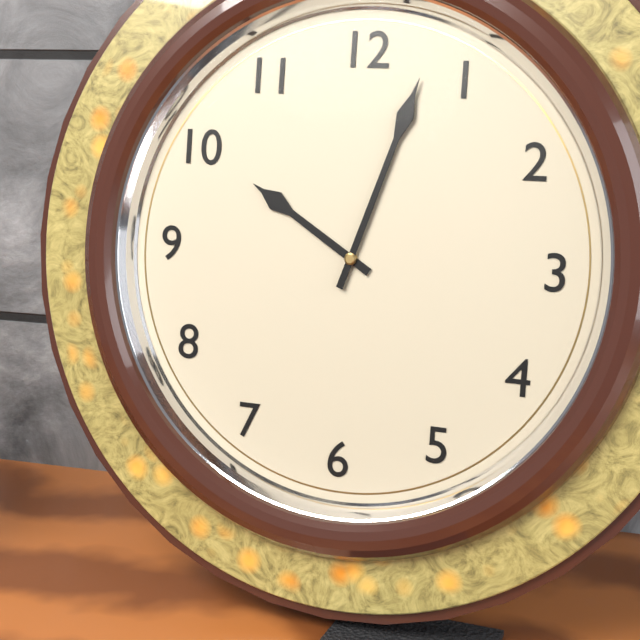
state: 10:03
